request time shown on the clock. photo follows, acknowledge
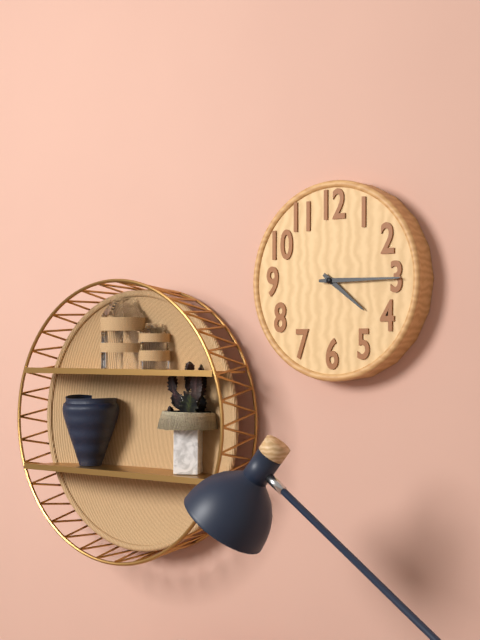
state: 4:15
